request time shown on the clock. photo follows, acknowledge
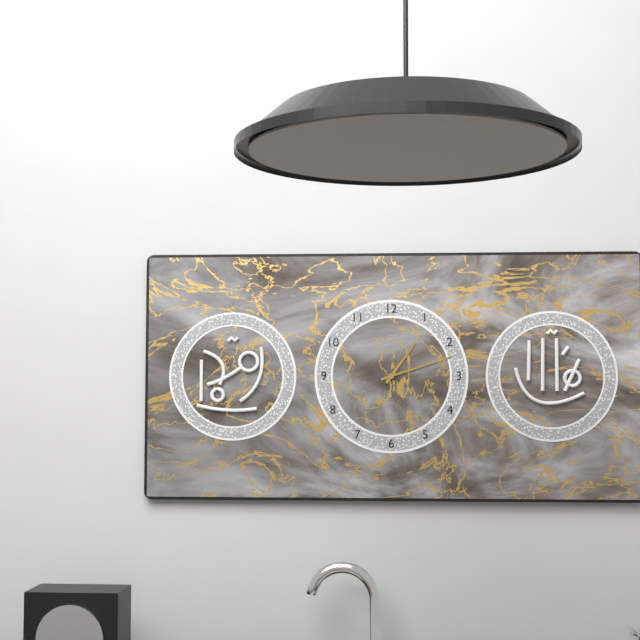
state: 1:12
